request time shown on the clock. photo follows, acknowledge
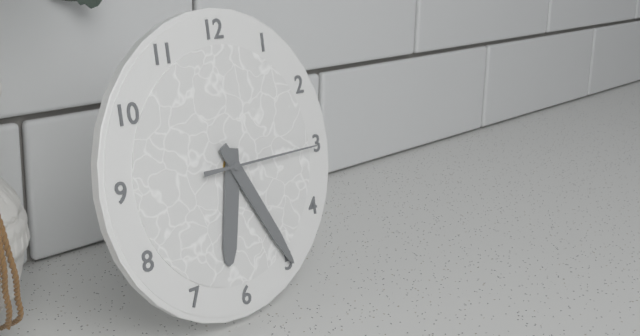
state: 6:25:15
